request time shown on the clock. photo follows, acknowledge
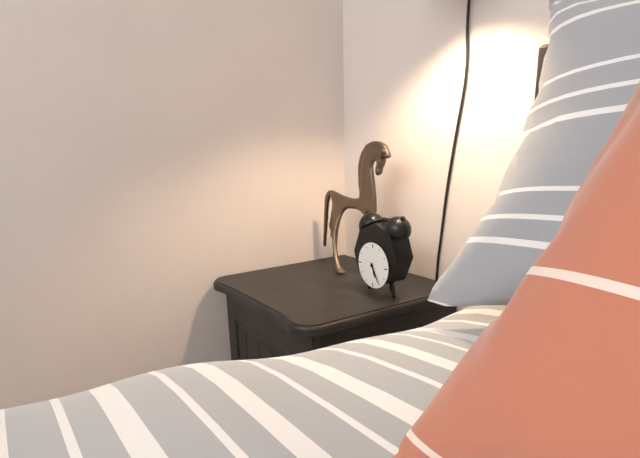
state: 5:25
